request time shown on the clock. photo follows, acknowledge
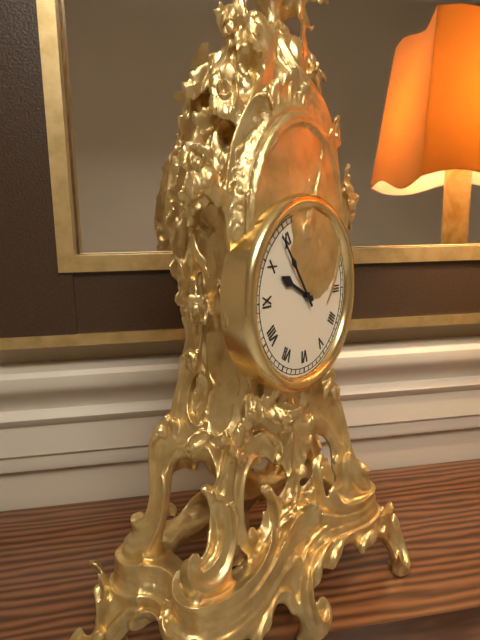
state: 9:54
